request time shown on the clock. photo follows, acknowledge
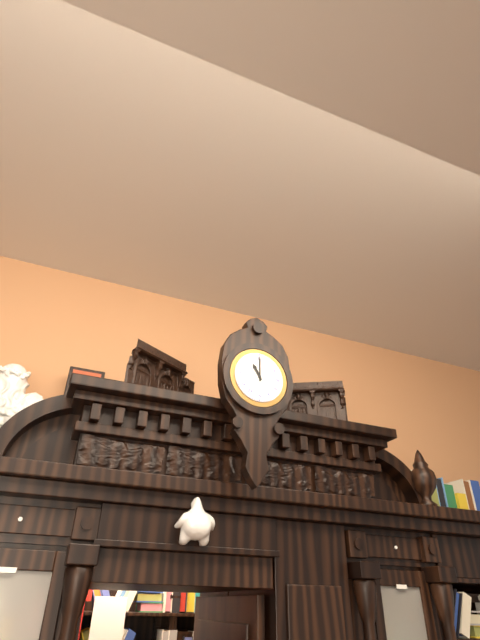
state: 11:00
